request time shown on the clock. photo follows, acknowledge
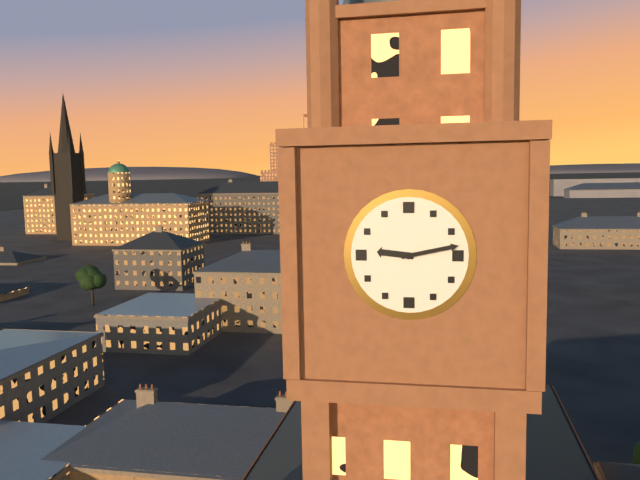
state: 9:13
